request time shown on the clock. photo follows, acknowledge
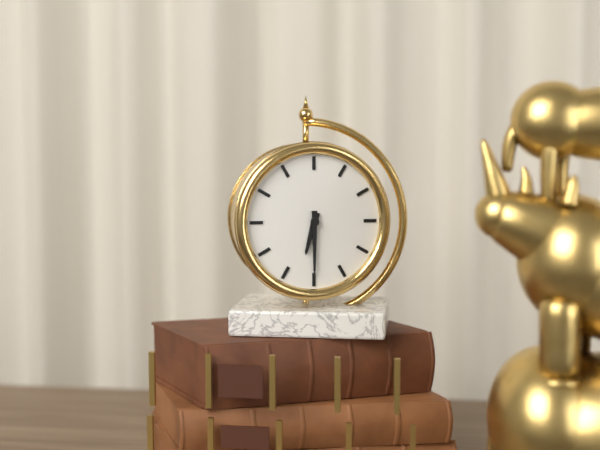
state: 6:30
